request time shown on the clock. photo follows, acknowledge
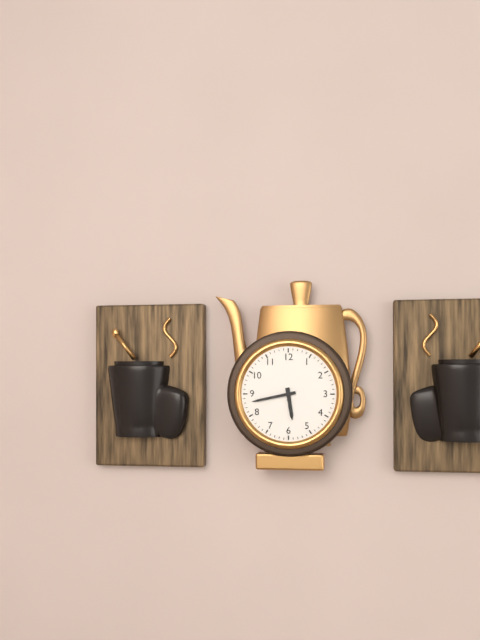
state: 5:43
